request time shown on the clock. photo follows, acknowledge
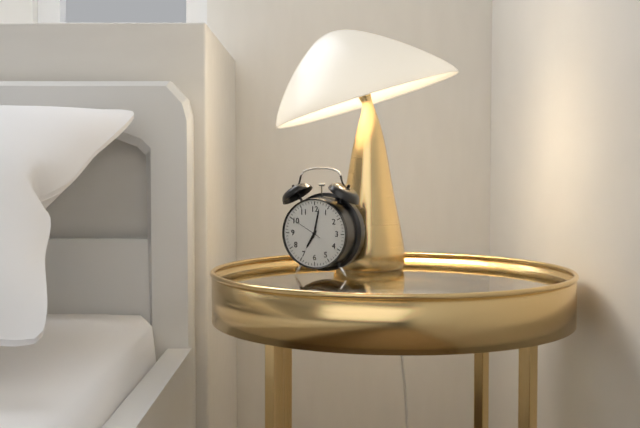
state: 7:02
